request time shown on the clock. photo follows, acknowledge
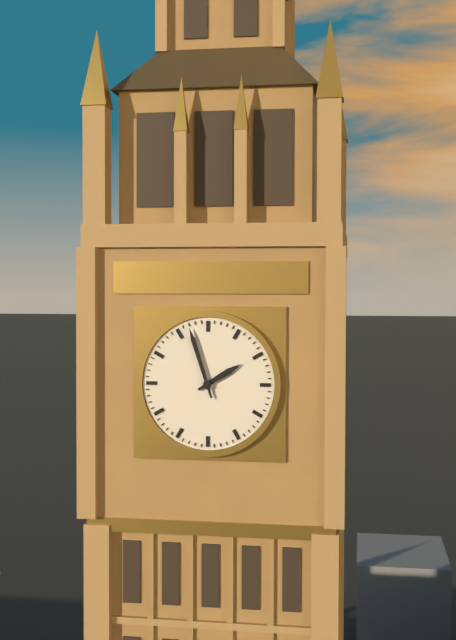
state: 1:57
